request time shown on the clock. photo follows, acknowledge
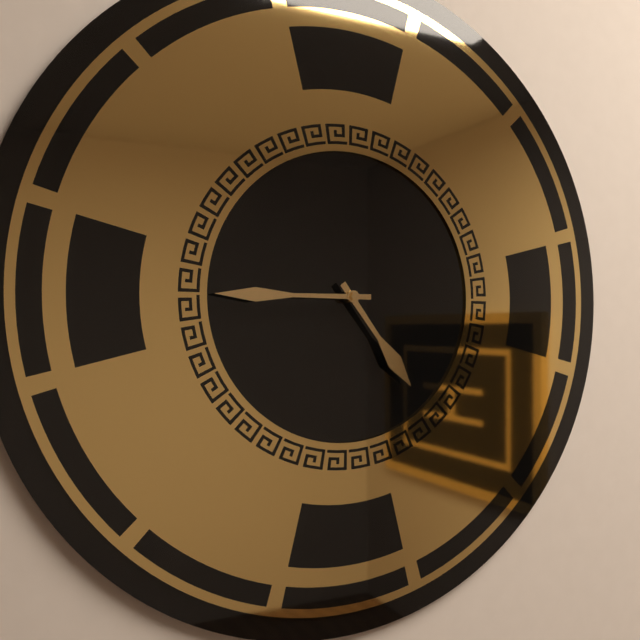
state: 4:45
